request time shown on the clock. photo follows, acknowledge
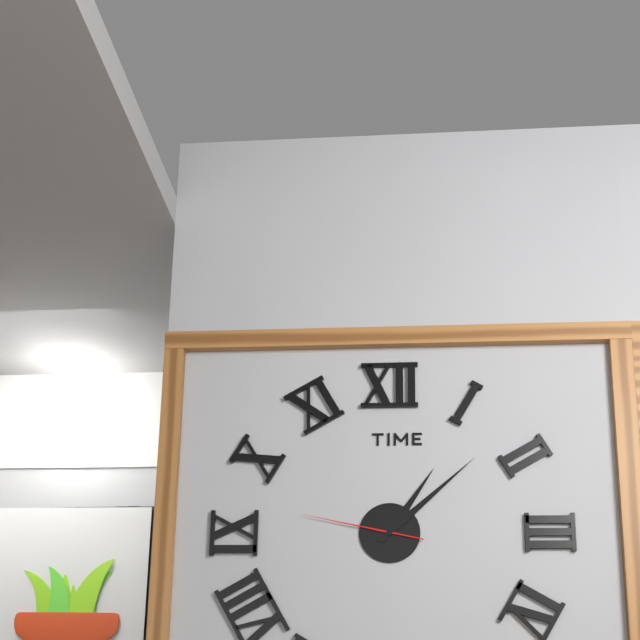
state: 1:08:47
